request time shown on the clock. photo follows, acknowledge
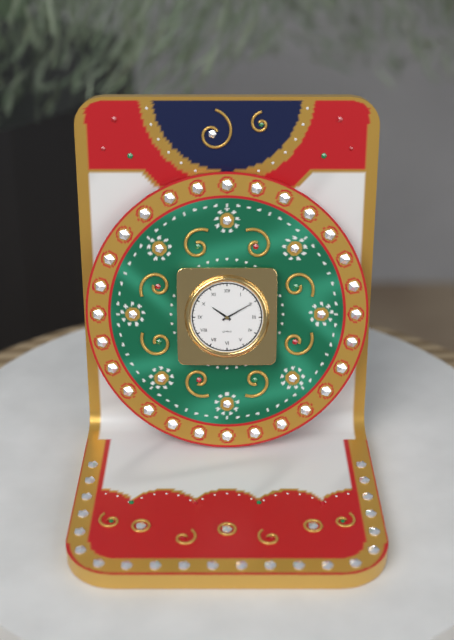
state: 10:10
